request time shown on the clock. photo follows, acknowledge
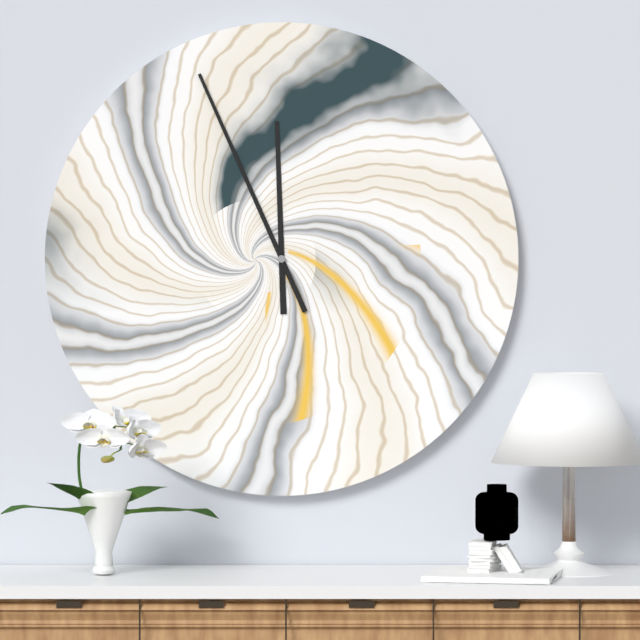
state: 11:56
